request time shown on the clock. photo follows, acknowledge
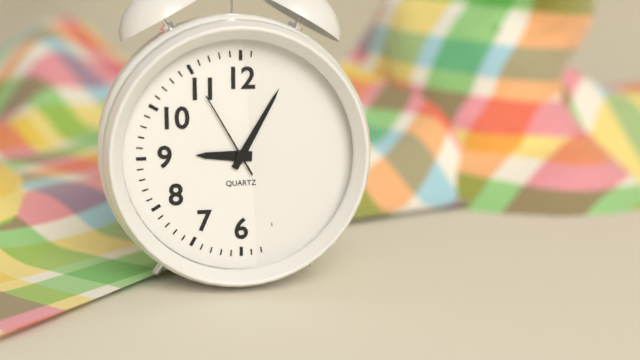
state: 9:05:55
